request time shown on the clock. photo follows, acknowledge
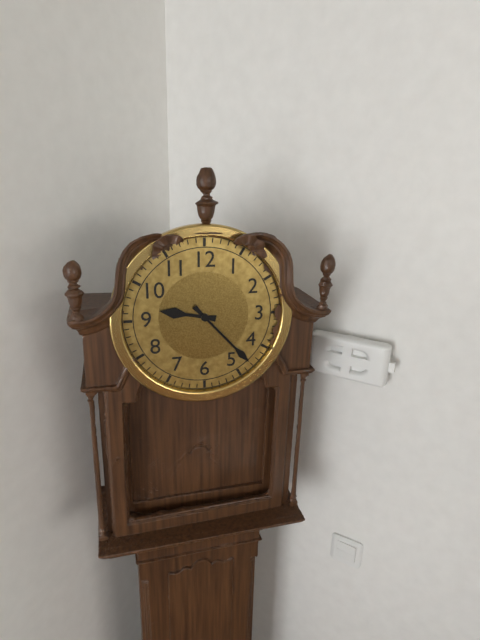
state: 9:23
